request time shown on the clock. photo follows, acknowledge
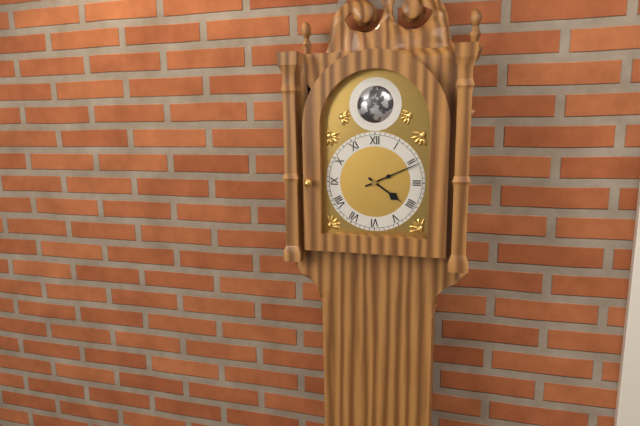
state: 4:11
